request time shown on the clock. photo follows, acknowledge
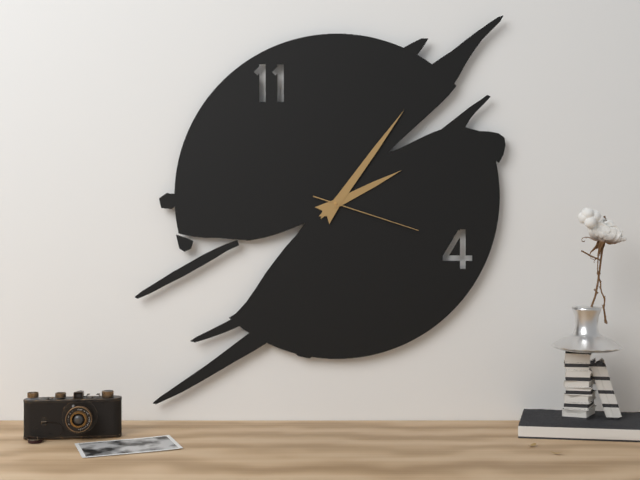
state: 2:06:18
